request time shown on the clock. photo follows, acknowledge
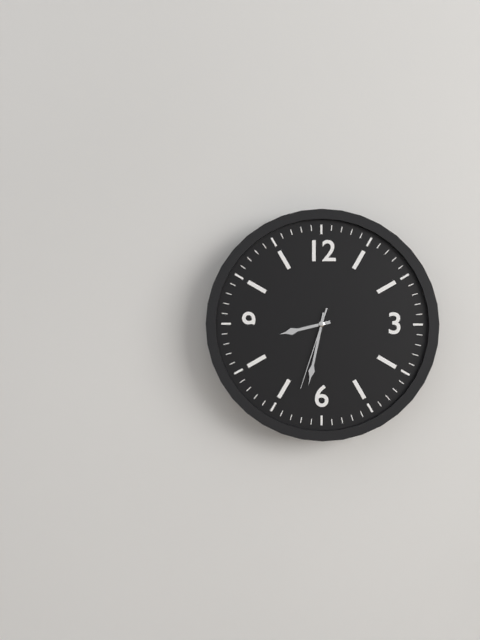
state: 8:32:33
